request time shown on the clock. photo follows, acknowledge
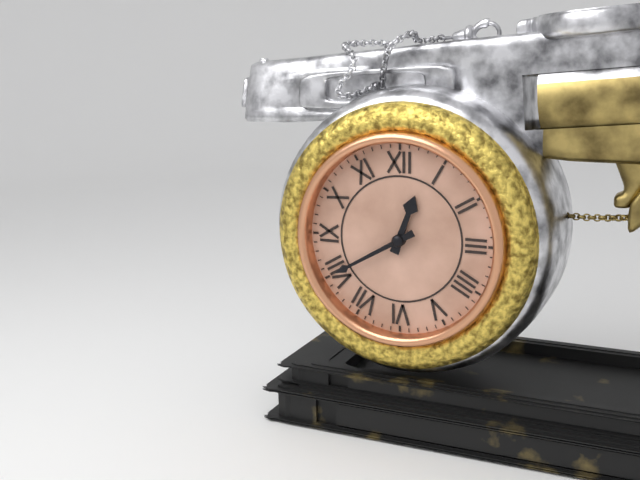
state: 12:40
